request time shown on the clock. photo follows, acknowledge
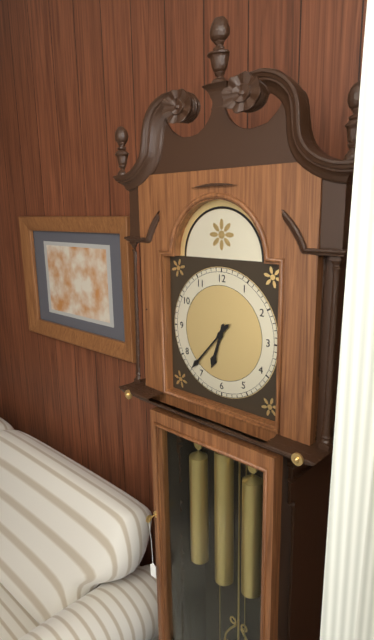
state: 6:37
